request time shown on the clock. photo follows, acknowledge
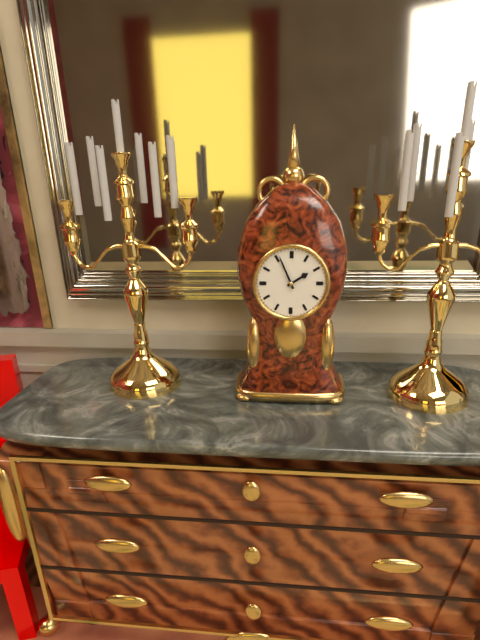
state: 1:56
